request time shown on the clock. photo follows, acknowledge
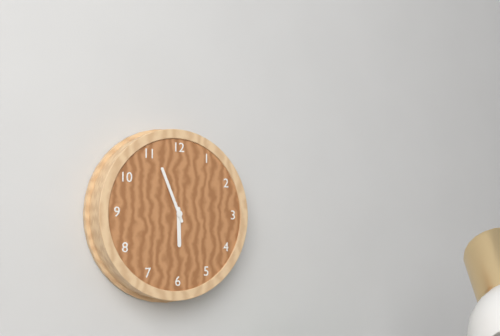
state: 5:56
